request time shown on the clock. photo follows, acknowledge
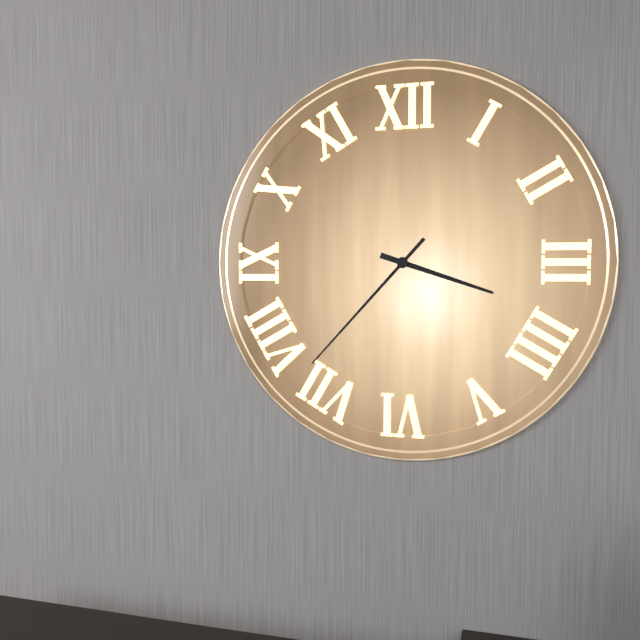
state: 3:37
